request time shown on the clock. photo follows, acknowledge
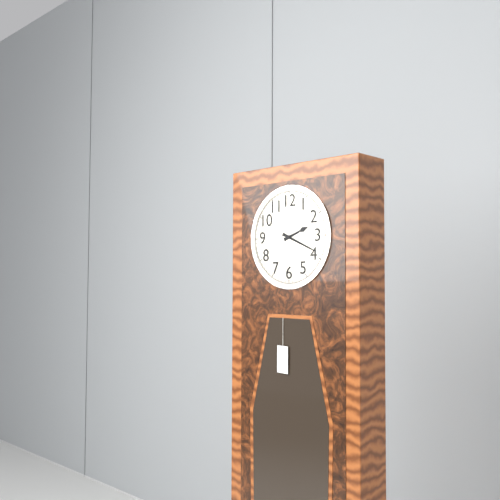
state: 2:19
